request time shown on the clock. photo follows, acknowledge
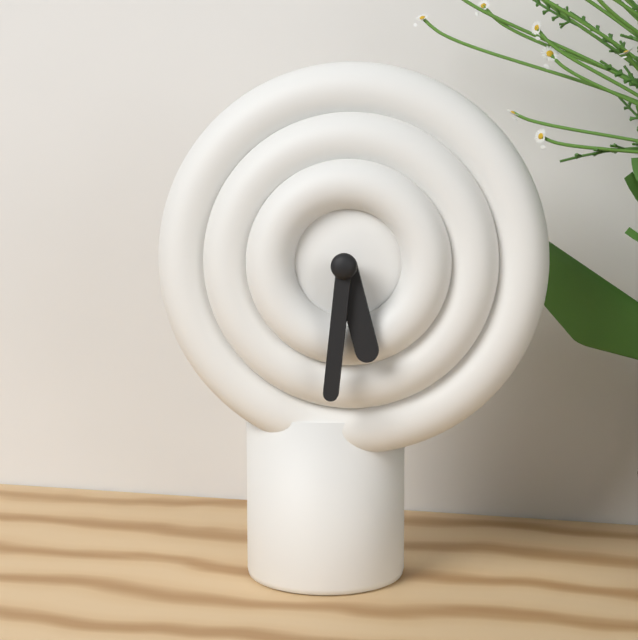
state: 5:31
